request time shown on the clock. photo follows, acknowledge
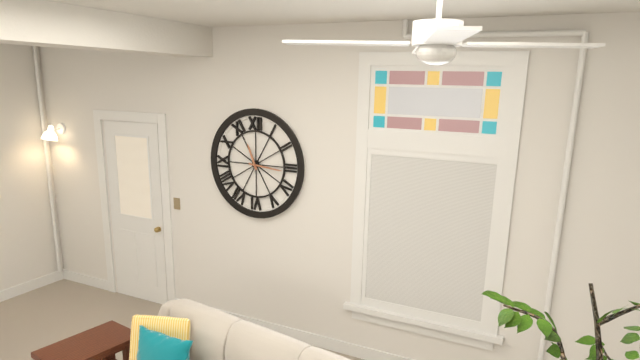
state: 11:16
